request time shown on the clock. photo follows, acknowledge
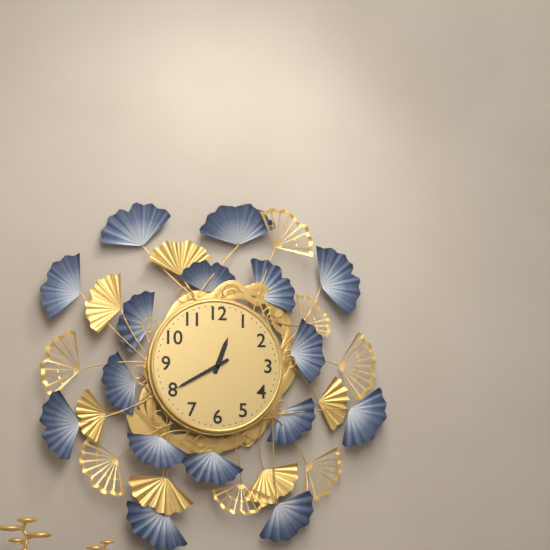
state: 12:40
